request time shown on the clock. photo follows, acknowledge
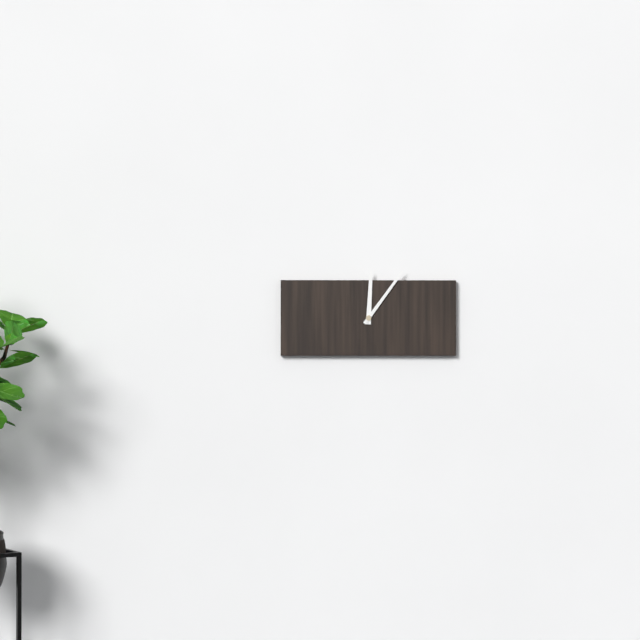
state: 12:06
